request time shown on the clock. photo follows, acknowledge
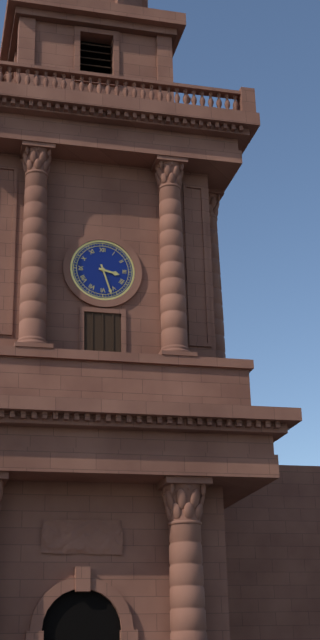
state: 3:27
